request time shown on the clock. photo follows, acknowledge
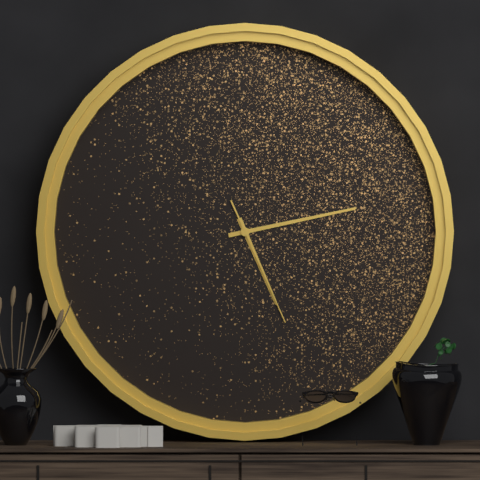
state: 5:13:26
